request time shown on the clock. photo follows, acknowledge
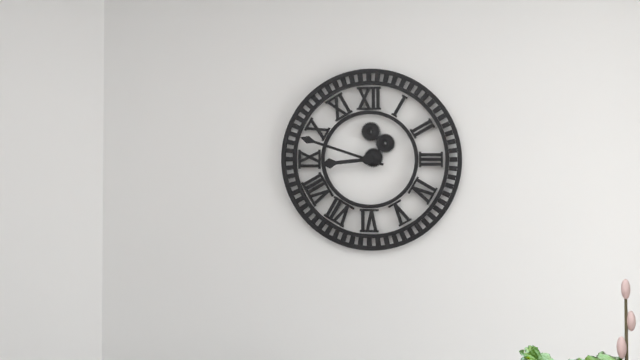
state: 8:48
